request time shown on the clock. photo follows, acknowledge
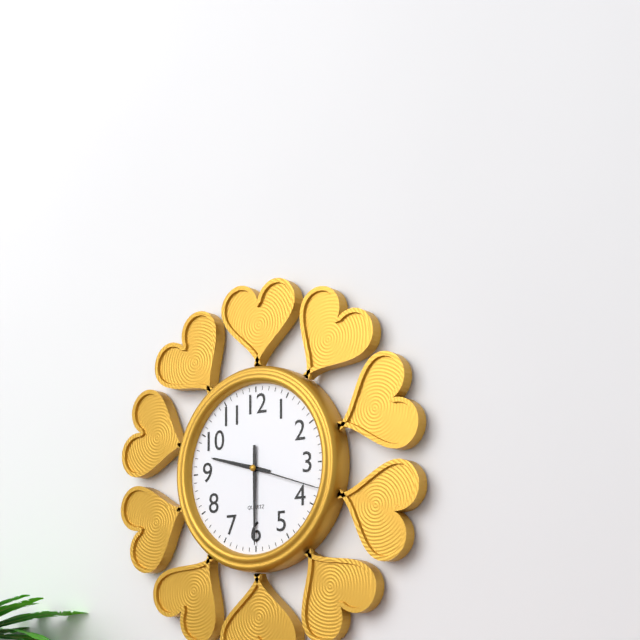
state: 9:30:18
